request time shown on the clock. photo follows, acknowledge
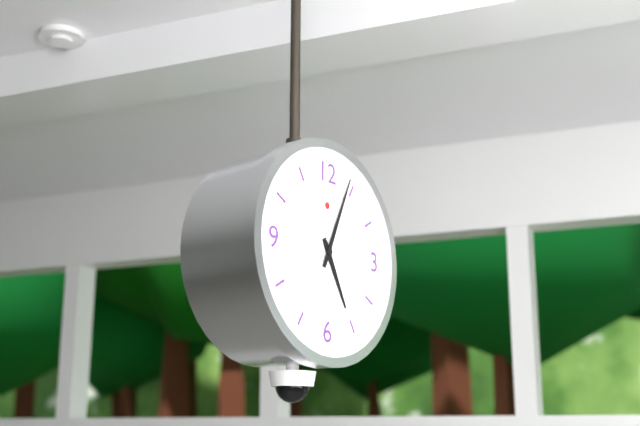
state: 5:04
